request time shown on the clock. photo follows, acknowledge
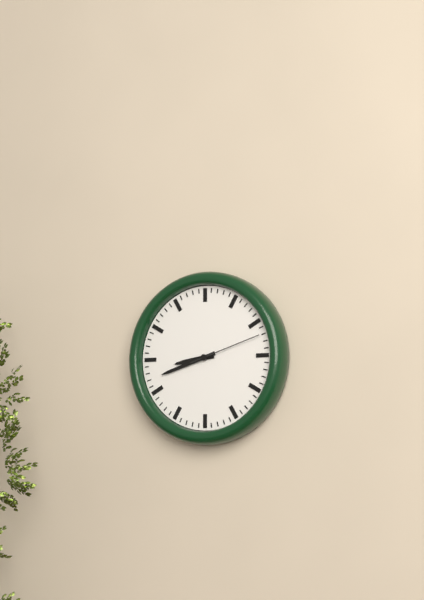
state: 8:42:12
